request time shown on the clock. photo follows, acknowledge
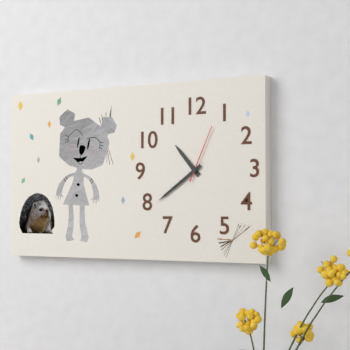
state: 10:39:04
